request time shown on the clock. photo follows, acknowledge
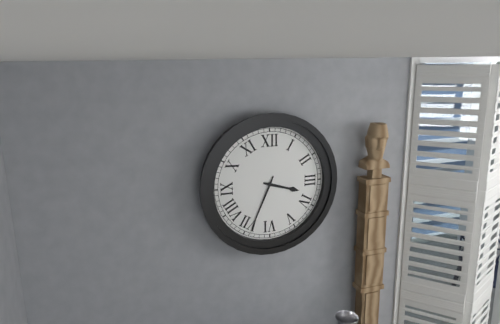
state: 3:34
